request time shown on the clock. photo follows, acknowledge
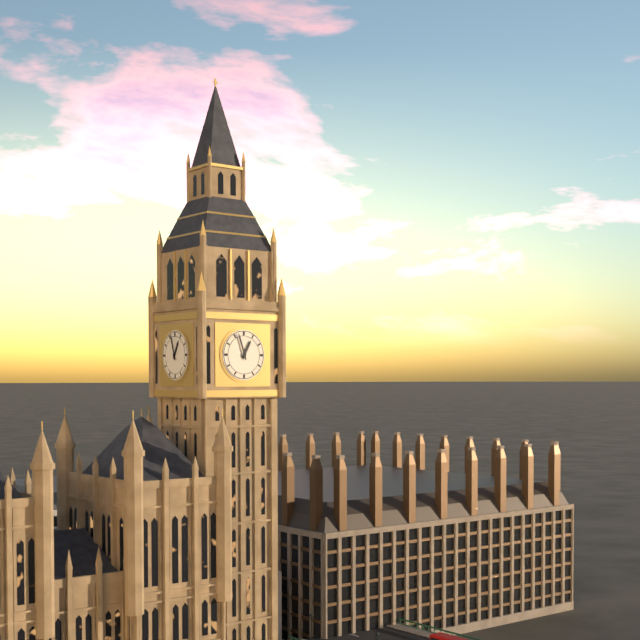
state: 12:57
